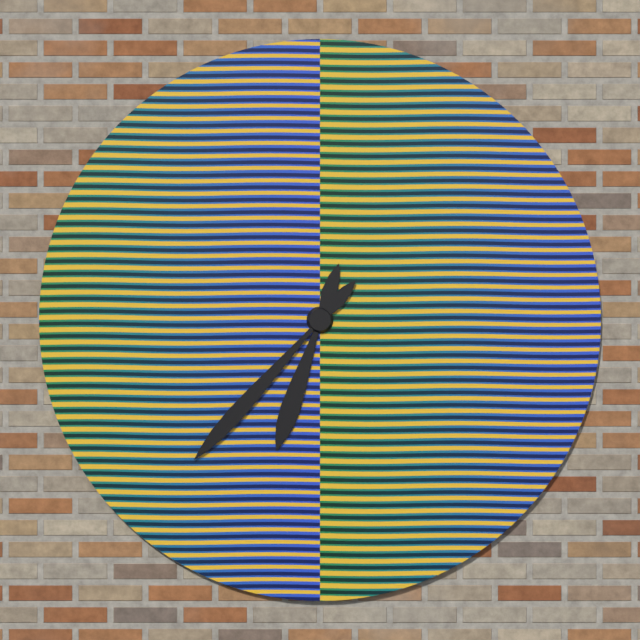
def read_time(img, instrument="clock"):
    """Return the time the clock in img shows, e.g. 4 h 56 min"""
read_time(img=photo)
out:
6 h 37 min
